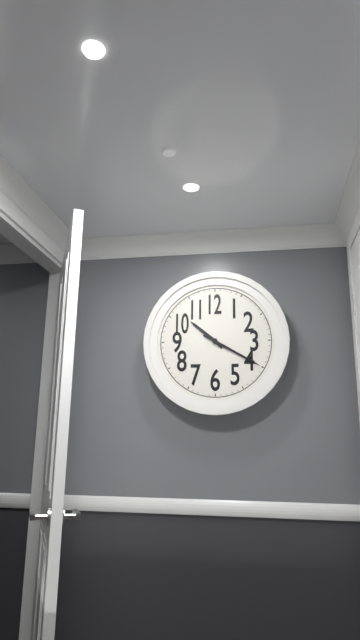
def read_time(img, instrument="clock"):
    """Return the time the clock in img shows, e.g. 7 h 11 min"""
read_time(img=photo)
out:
10 h 20 min
